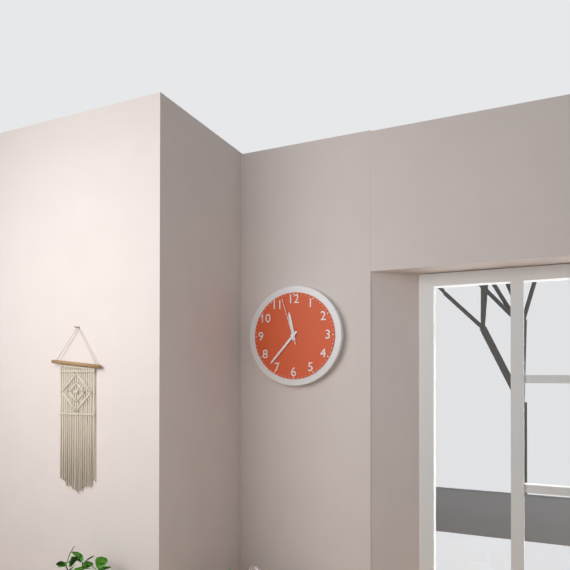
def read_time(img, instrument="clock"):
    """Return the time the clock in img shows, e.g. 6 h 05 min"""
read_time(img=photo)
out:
11 h 37 min
